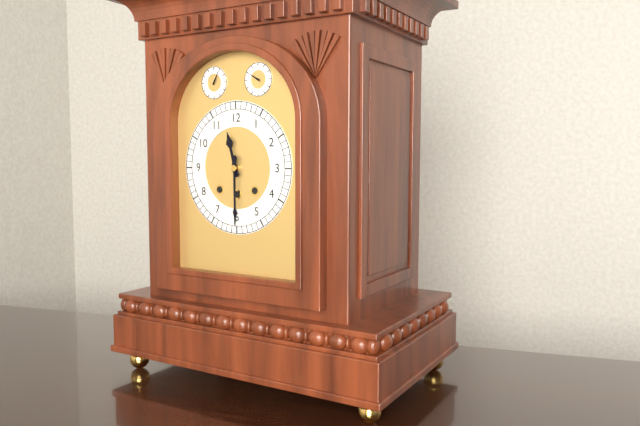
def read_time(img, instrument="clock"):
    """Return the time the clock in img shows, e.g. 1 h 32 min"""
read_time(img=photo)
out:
11 h 30 min
